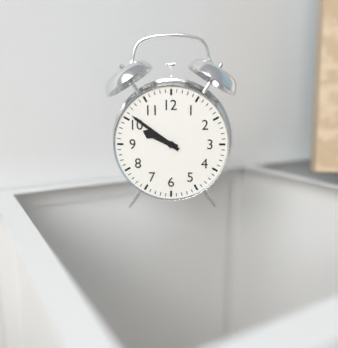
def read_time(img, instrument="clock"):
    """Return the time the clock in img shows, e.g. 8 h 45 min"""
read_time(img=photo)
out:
9 h 51 min
